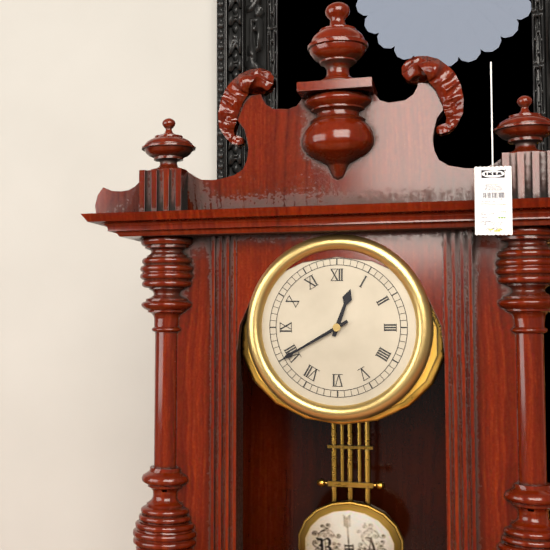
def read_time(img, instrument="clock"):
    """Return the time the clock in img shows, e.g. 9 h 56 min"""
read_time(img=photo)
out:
12 h 40 min
